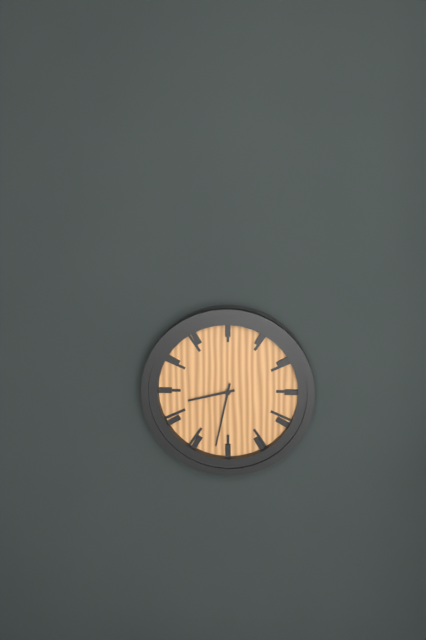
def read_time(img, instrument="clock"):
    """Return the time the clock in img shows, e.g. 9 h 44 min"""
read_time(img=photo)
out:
8 h 32 min
